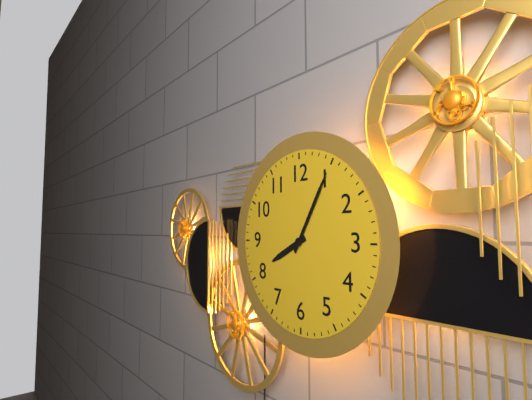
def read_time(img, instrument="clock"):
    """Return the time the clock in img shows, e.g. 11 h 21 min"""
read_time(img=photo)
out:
8 h 05 min
